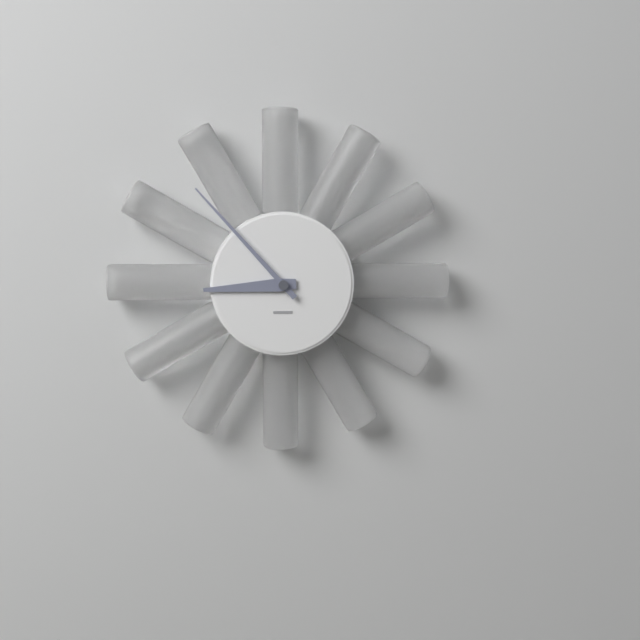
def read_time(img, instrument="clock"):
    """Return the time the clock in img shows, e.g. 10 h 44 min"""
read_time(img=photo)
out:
8 h 53 min
